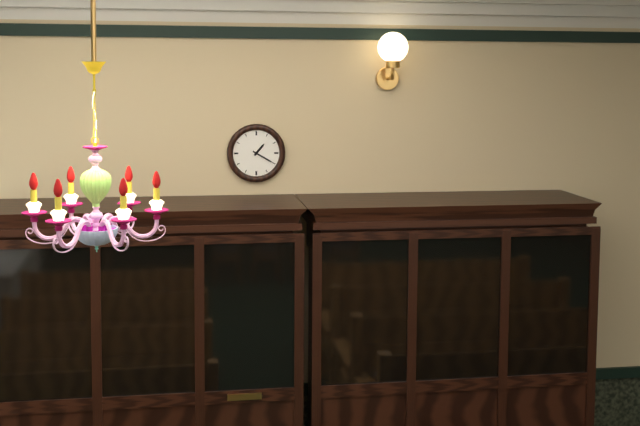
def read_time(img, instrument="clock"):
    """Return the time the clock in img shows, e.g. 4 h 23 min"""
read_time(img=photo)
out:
1 h 20 min
